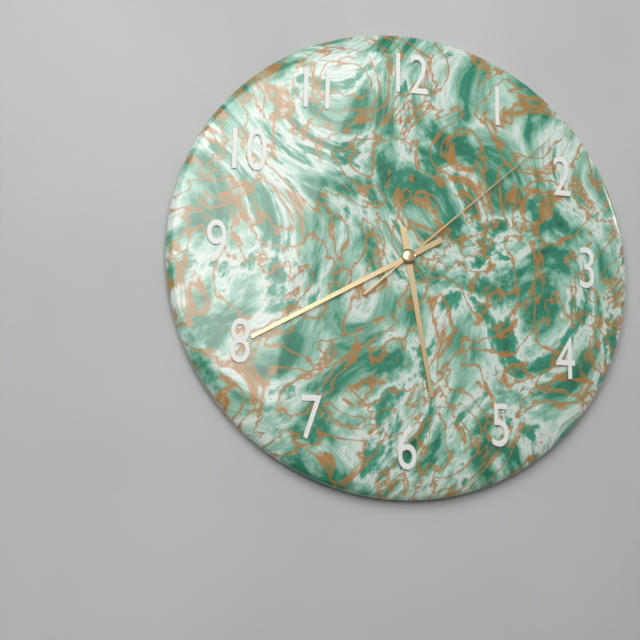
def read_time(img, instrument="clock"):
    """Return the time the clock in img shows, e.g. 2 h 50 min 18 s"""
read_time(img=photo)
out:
5 h 40 min 08 s
